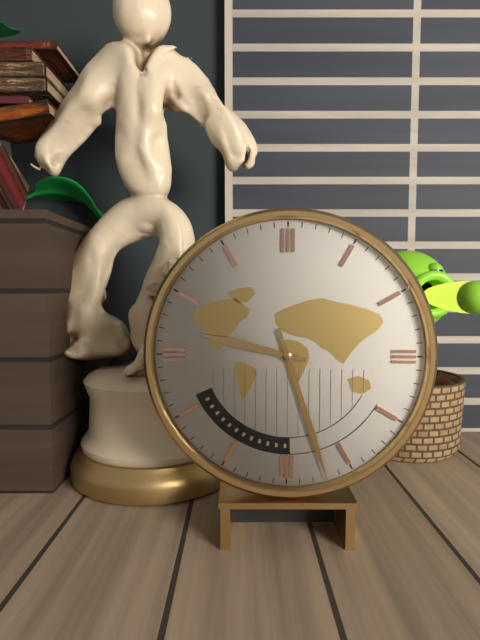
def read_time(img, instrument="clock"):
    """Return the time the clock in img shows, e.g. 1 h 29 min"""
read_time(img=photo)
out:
9 h 27 min
